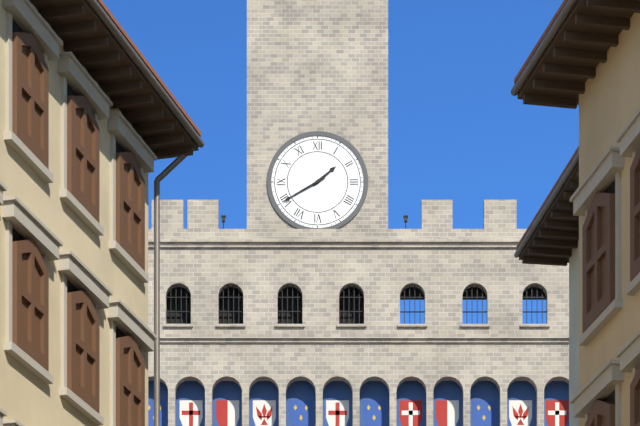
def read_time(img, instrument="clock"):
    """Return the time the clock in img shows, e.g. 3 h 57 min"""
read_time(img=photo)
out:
1 h 40 min
